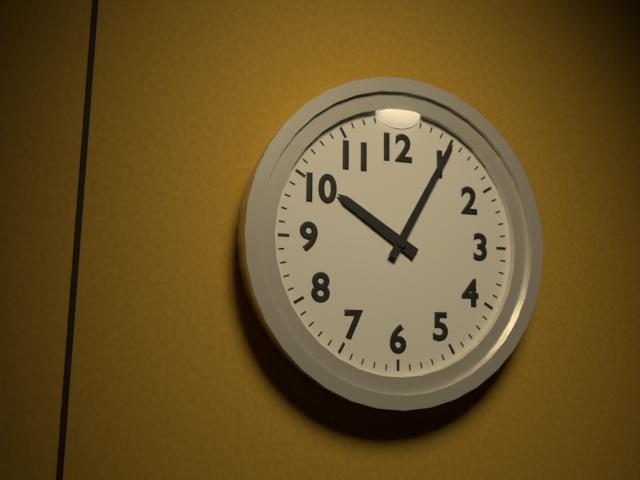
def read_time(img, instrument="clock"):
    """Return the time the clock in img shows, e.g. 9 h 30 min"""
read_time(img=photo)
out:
10 h 05 min
